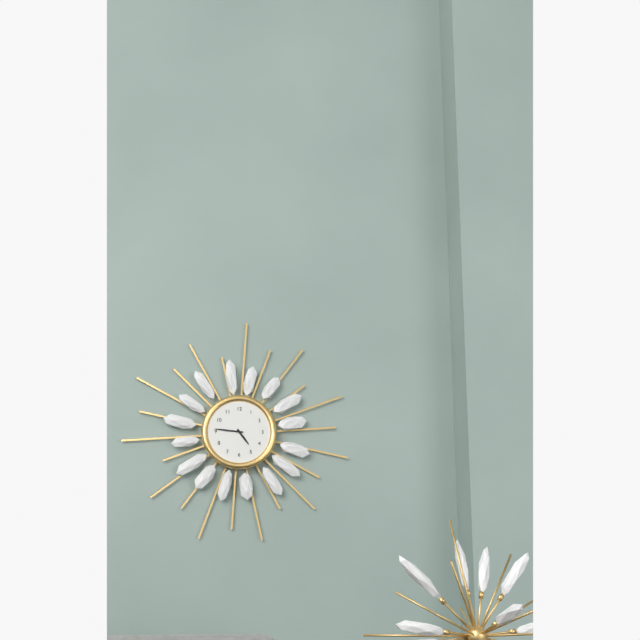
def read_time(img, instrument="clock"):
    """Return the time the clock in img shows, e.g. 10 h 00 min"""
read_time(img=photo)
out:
4 h 46 min
